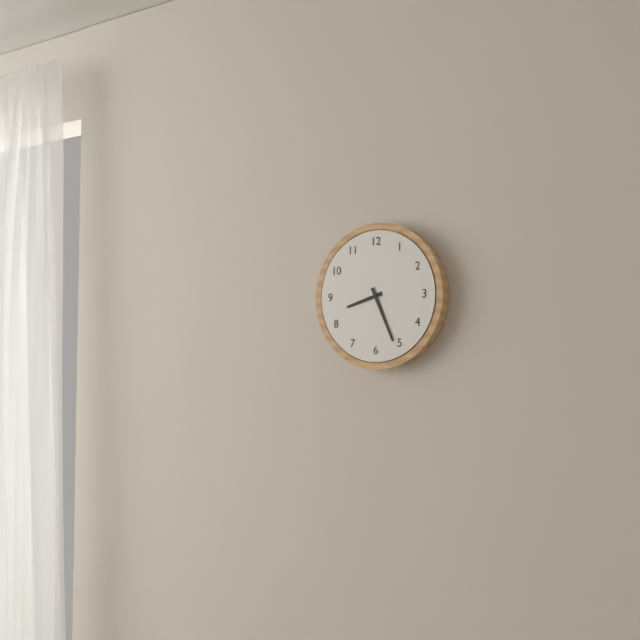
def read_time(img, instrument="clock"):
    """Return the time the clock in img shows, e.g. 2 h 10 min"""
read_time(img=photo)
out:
8 h 26 min
